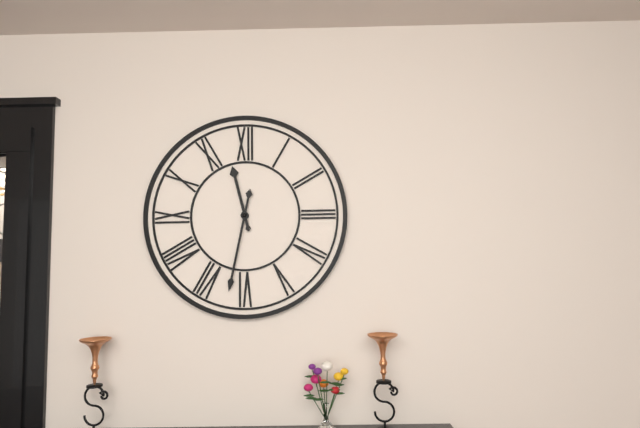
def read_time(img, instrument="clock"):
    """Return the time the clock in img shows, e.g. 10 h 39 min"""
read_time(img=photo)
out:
11 h 32 min
